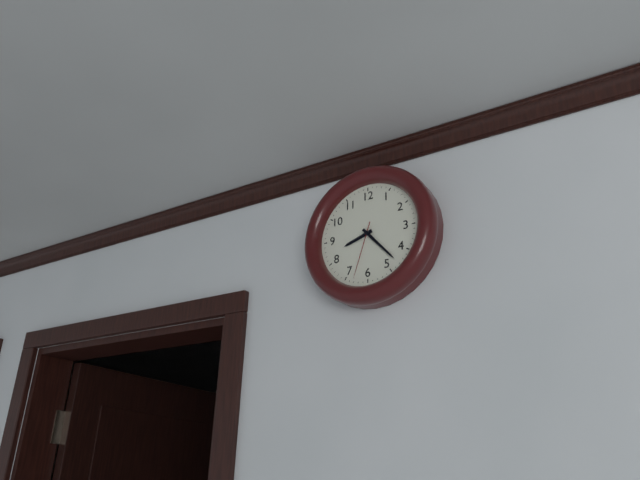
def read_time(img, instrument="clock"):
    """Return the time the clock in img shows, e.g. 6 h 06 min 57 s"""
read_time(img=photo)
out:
8 h 23 min 33 s
